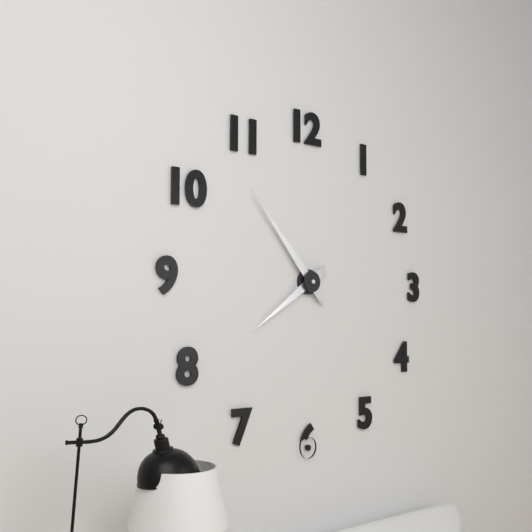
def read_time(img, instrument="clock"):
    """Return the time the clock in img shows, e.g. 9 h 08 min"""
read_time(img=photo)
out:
7 h 53 min
